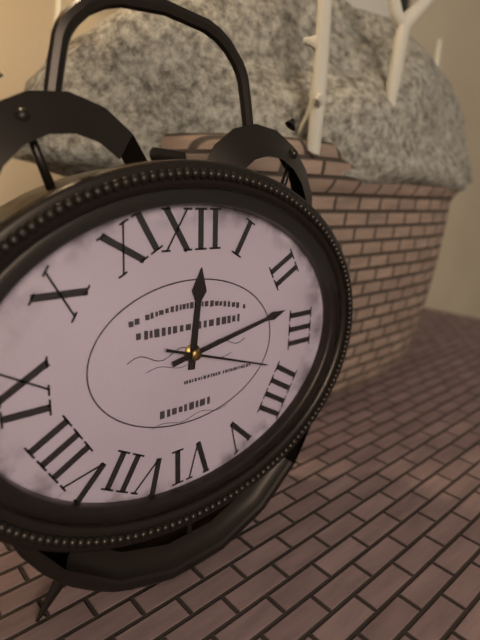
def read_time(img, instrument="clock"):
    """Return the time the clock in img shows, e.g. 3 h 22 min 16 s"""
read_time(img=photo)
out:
12 h 13 min 18 s
